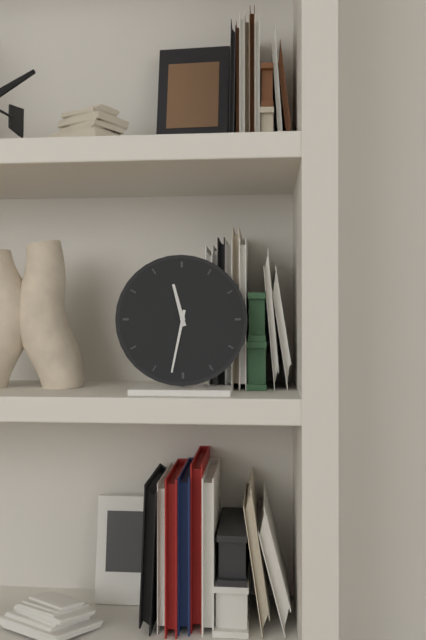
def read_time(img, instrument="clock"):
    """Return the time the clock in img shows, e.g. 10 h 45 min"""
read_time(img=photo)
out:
11 h 32 min
